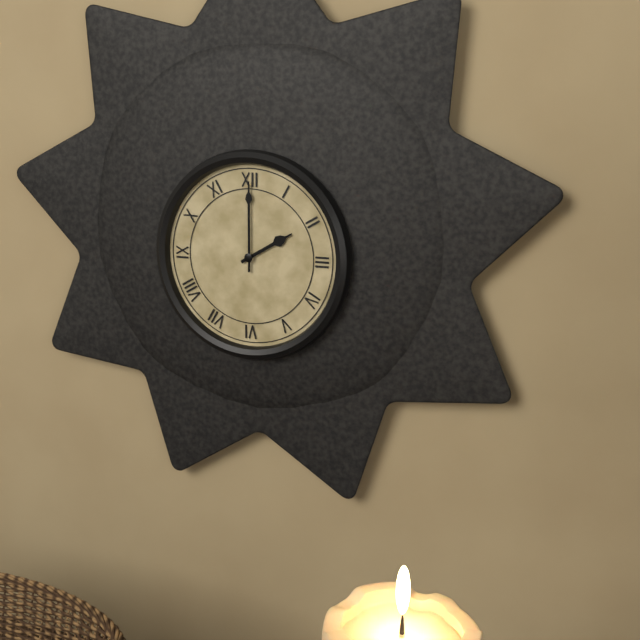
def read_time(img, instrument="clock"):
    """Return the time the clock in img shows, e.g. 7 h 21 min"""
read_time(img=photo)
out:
2 h 00 min
